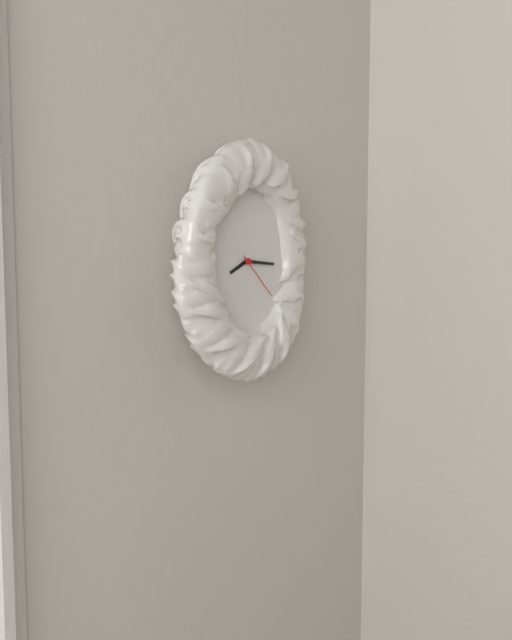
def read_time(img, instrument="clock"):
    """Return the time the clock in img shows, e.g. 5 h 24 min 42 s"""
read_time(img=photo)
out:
8 h 16 min 22 s
